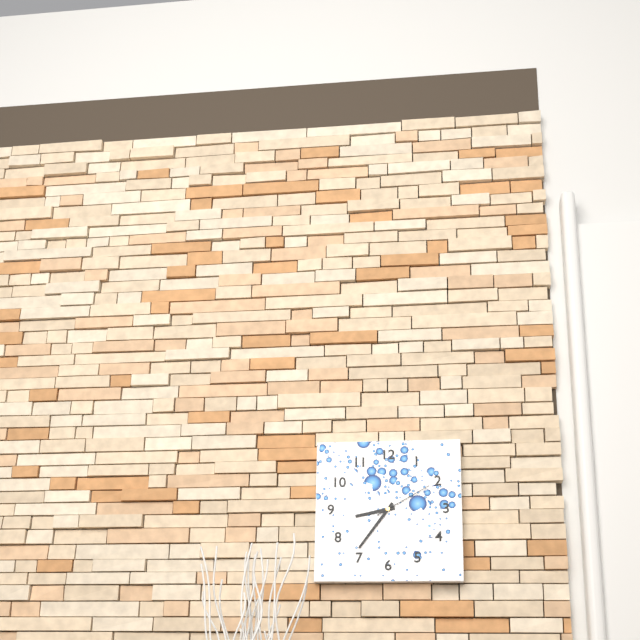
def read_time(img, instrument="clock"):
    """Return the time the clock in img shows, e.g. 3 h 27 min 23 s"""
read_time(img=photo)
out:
8 h 36 min 10 s
